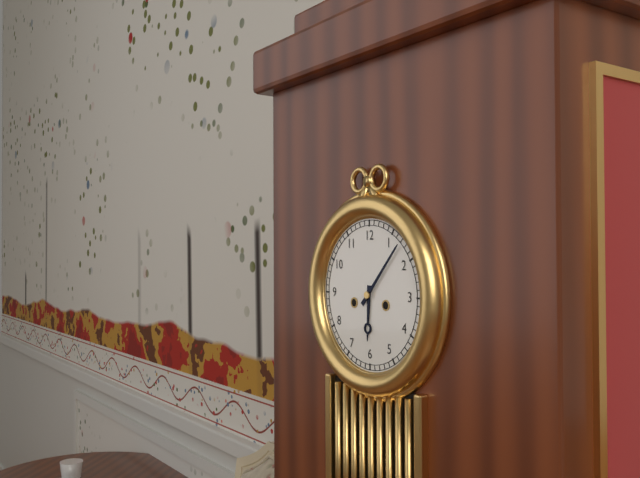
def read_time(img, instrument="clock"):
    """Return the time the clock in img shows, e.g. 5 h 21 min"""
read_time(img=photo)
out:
6 h 07 min
